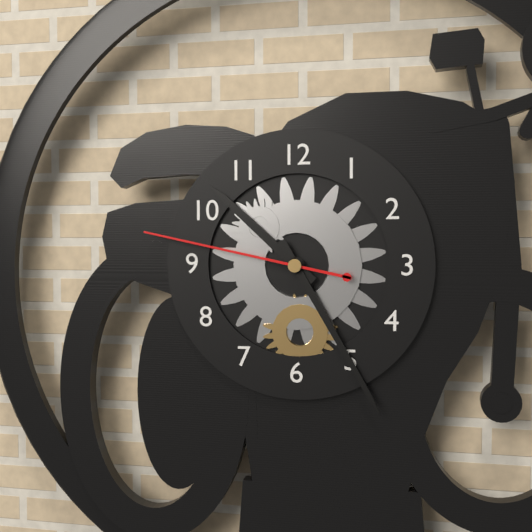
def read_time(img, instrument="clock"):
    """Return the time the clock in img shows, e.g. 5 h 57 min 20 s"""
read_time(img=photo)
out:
10 h 25 min 47 s
